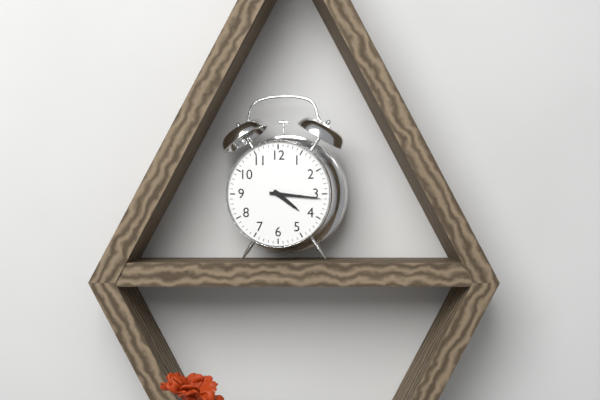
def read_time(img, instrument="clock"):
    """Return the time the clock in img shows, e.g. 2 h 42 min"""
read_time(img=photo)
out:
4 h 16 min
